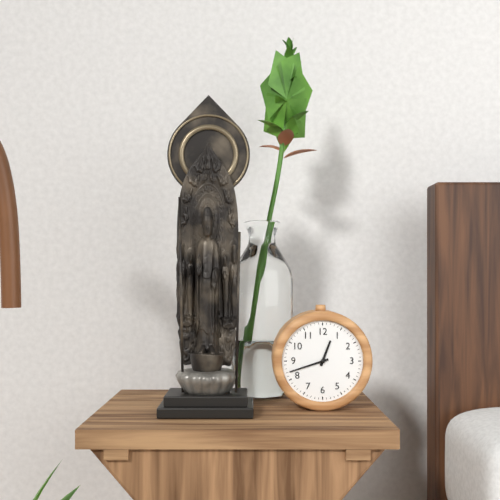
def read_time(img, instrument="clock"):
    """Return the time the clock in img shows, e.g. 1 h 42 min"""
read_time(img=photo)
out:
12 h 42 min
